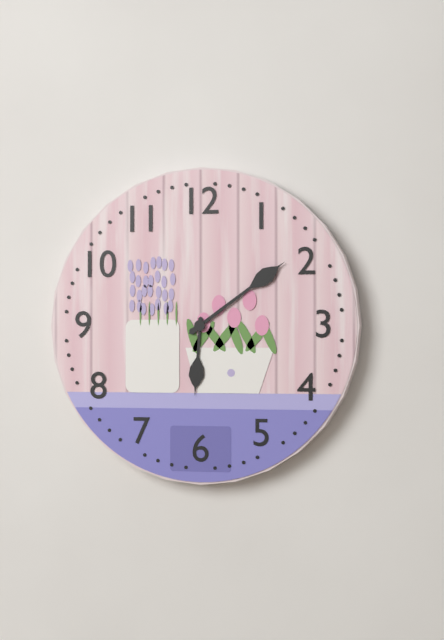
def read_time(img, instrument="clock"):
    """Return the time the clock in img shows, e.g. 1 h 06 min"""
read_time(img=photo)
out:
6 h 09 min
